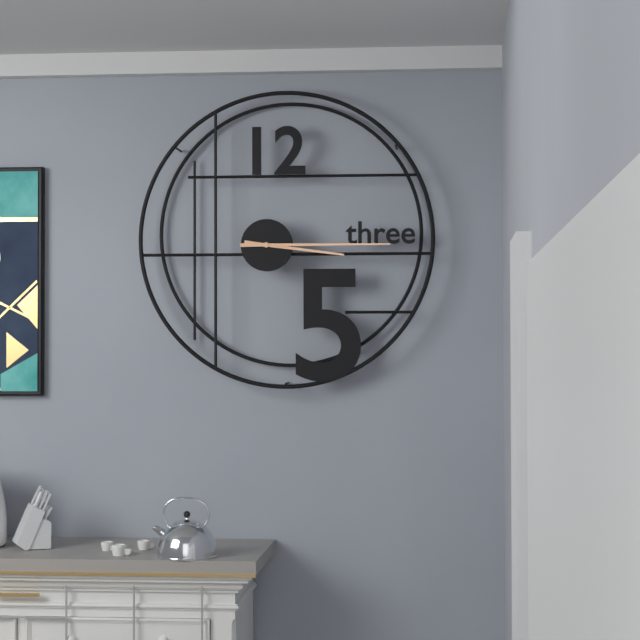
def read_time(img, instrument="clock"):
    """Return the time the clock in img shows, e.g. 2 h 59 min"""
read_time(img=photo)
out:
3 h 15 min
